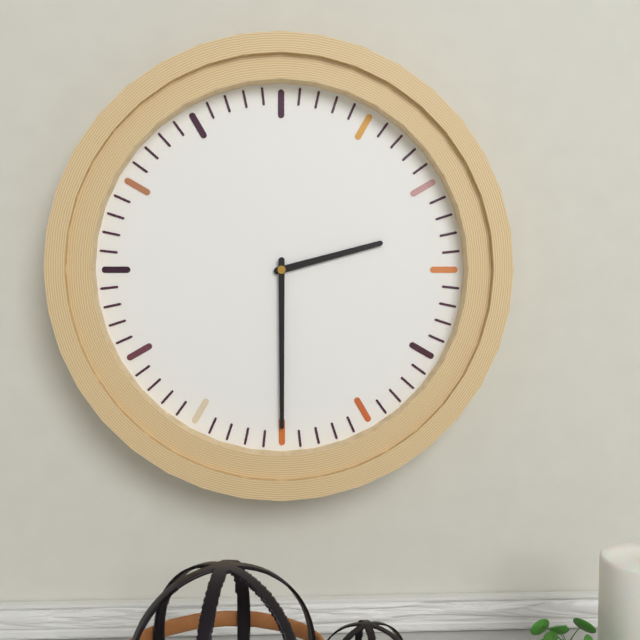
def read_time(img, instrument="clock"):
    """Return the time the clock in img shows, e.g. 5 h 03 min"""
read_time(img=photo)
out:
2 h 30 min
